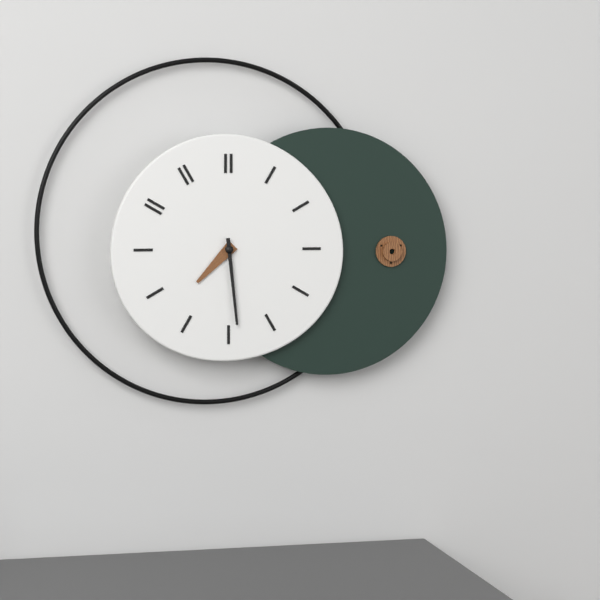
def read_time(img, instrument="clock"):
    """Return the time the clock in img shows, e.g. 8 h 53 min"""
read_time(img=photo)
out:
7 h 29 min
